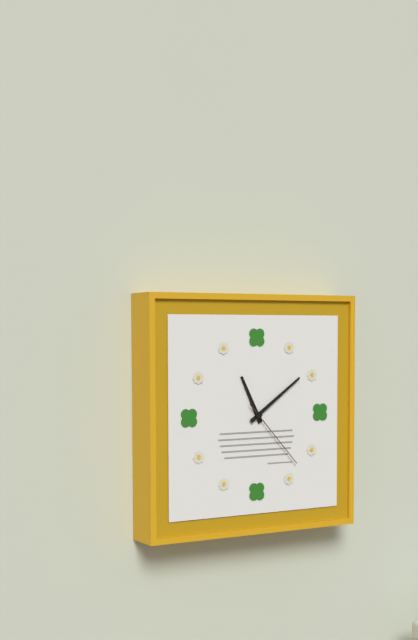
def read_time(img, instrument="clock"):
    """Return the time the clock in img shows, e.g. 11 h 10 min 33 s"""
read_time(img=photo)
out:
11 h 09 min 23 s
